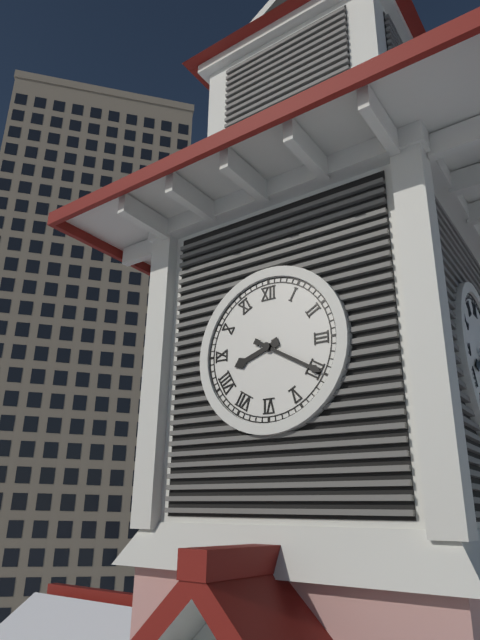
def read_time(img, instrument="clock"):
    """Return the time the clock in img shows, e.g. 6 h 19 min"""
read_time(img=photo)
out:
8 h 20 min
